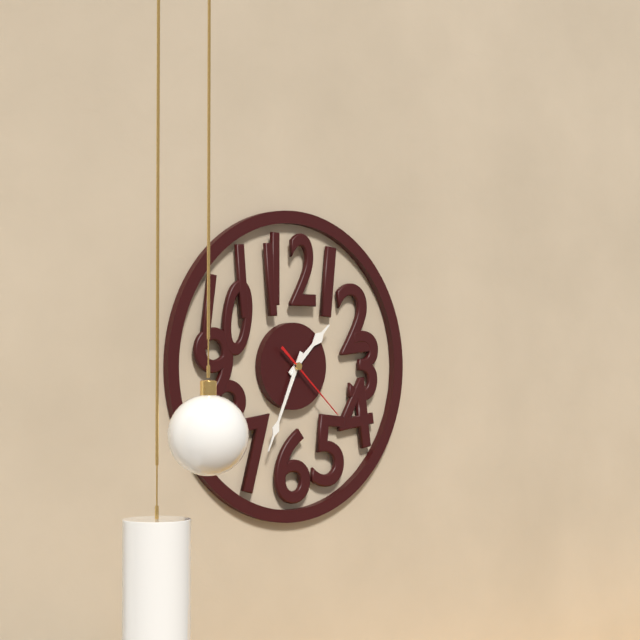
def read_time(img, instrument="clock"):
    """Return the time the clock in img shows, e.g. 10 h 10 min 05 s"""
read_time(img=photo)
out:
1 h 34 min 22 s
